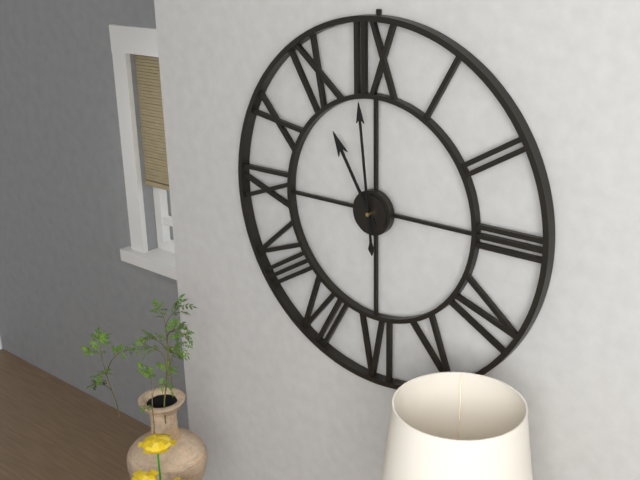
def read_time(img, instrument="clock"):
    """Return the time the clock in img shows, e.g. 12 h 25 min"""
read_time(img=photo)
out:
10 h 59 min
